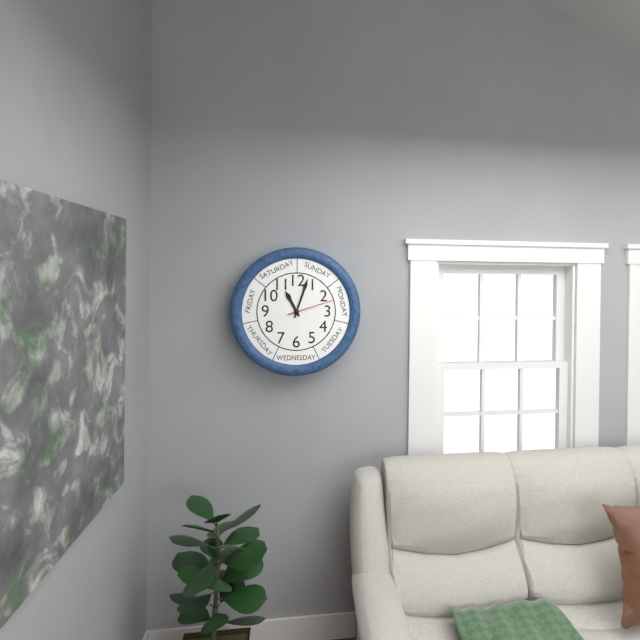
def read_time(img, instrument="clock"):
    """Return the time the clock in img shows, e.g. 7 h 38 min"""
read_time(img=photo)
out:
11 h 03 min
